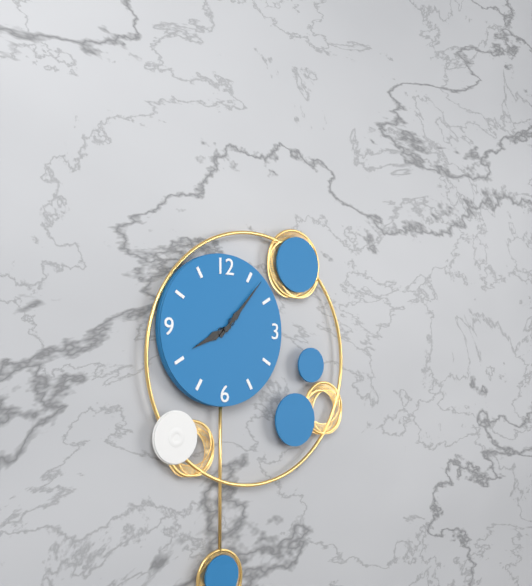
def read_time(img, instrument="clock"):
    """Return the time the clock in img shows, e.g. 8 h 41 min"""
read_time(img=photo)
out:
8 h 07 min
